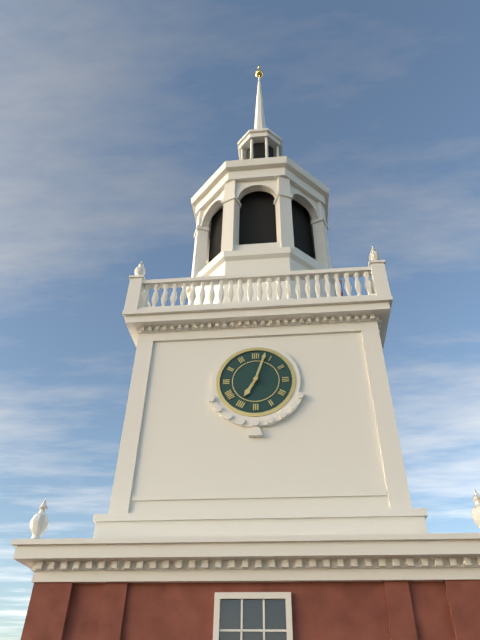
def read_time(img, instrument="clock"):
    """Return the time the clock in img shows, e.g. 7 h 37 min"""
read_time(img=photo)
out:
7 h 03 min
